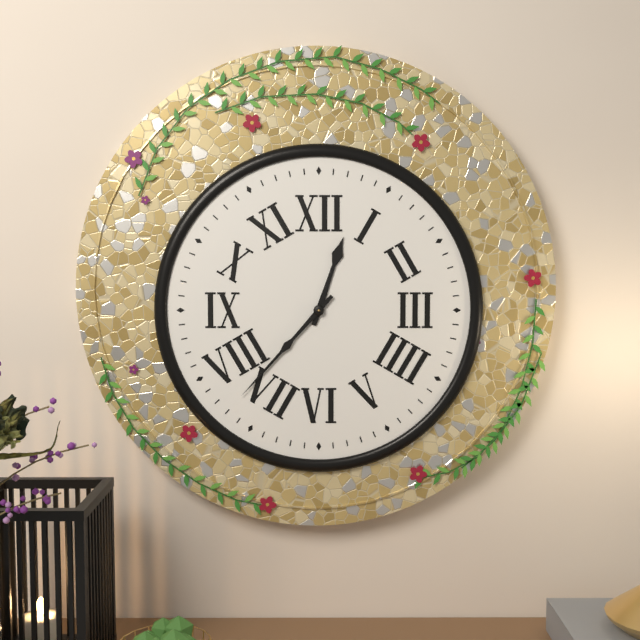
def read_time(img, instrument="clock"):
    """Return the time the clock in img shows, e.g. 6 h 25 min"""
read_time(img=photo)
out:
12 h 37 min
